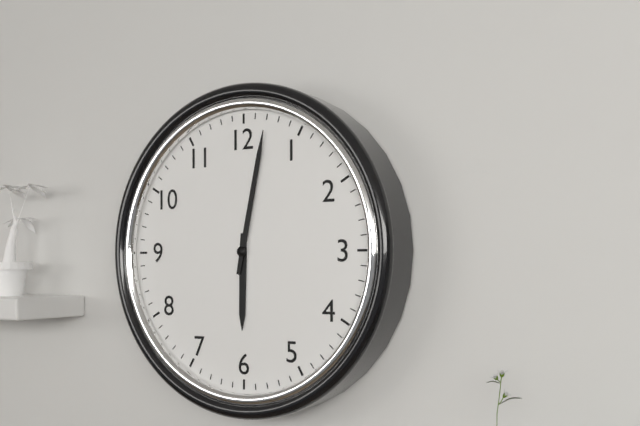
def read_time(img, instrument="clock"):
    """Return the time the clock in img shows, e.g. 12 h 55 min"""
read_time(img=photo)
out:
6 h 02 min
